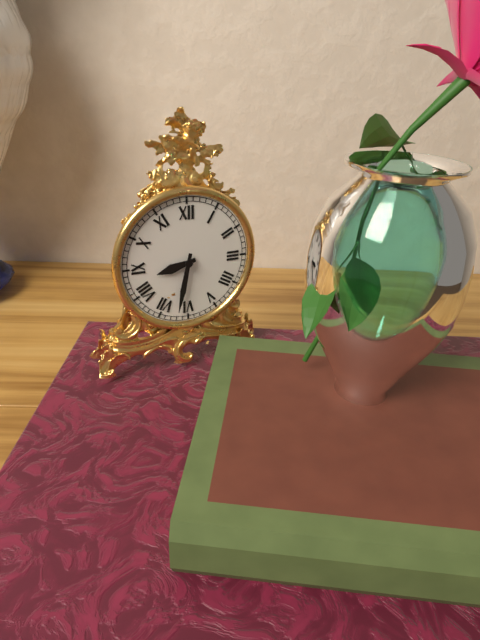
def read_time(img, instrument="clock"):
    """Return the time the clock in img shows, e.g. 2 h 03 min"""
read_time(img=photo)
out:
8 h 32 min
